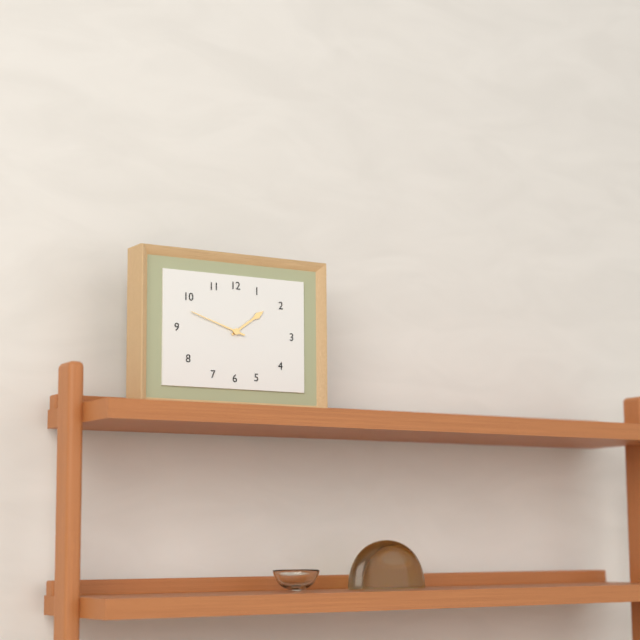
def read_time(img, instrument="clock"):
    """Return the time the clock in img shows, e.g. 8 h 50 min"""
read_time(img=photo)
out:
1 h 48 min
